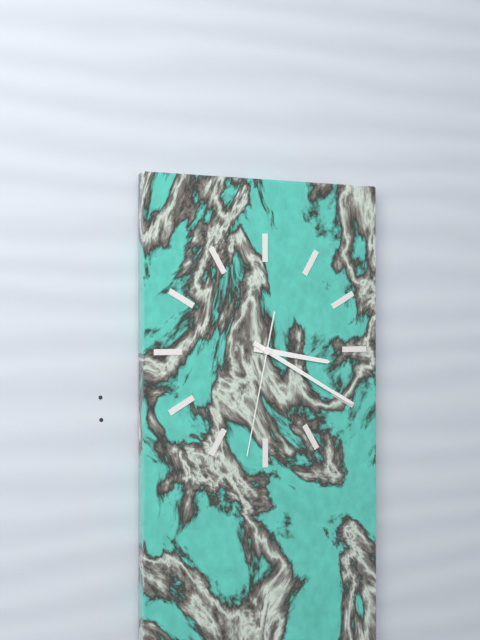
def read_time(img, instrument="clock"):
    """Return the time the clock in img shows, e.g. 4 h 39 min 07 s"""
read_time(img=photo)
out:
3 h 20 min 32 s
